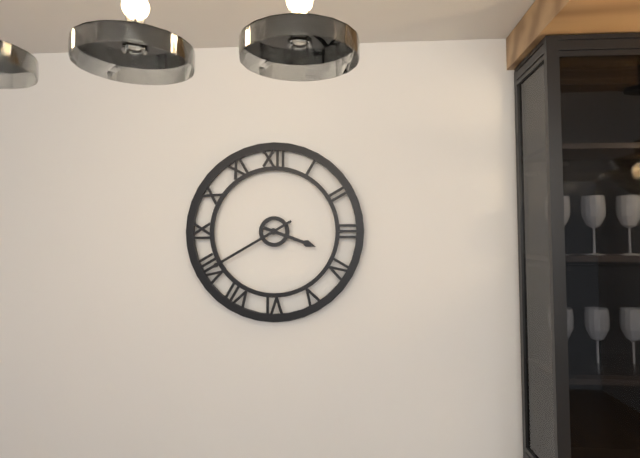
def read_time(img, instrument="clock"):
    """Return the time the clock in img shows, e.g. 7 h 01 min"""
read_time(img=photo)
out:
3 h 40 min
